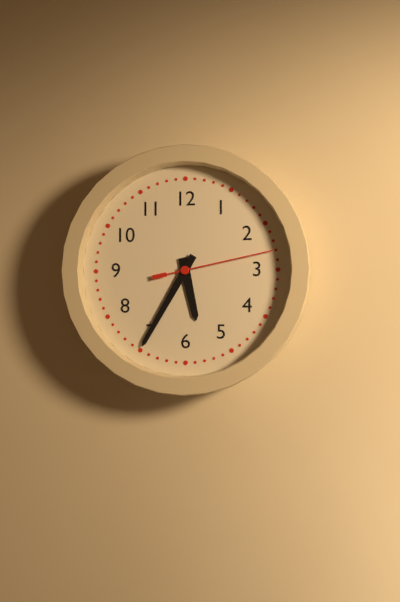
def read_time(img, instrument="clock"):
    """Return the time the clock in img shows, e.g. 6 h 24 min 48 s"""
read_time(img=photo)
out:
5 h 35 min 13 s
